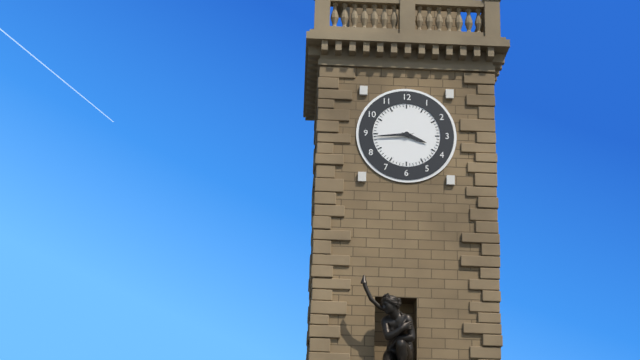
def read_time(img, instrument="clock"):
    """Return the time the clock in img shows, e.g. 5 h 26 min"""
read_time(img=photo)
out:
3 h 44 min
